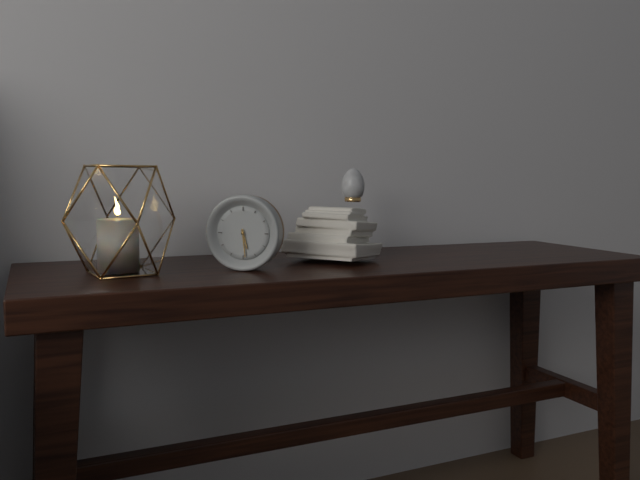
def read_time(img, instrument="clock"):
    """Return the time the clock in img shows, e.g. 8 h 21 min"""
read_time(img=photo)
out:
5 h 29 min
